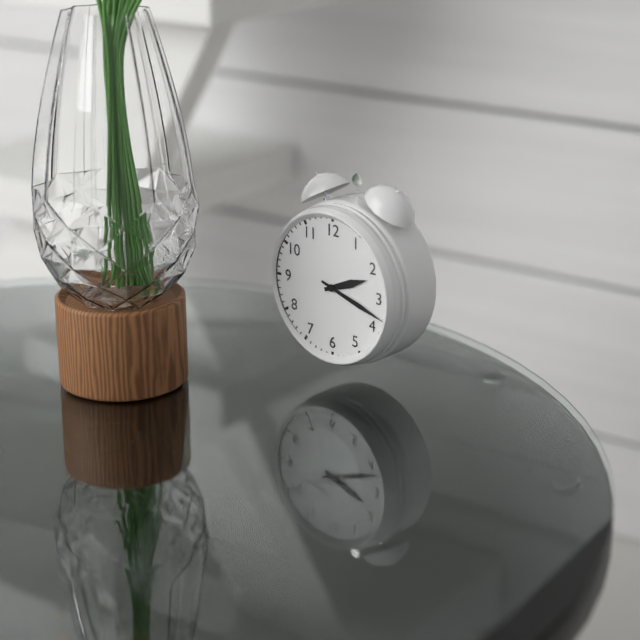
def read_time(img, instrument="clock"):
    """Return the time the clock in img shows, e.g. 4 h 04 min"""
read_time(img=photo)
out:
2 h 18 min
